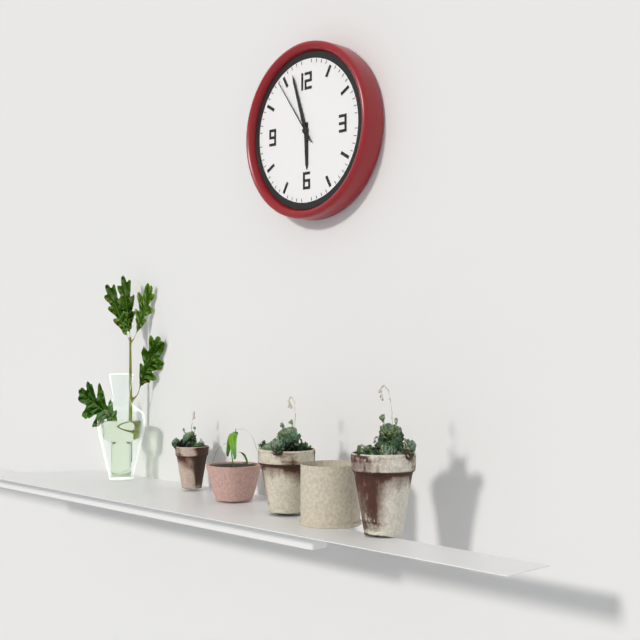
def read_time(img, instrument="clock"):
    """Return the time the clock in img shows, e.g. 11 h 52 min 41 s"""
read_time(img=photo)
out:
5 h 57 min 54 s
